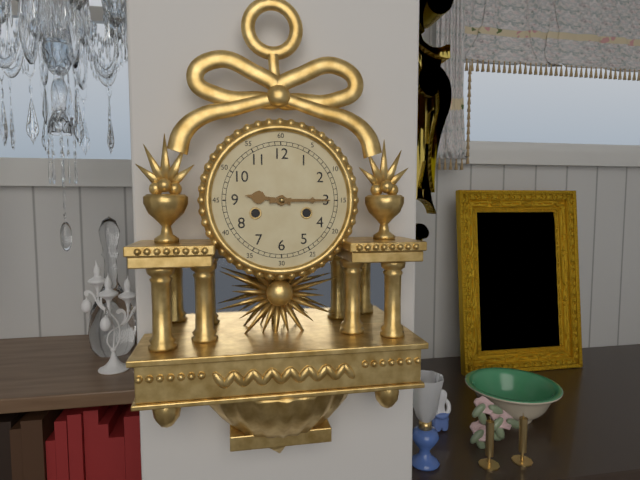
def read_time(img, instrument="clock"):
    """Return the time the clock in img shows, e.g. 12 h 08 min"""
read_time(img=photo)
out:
9 h 15 min
